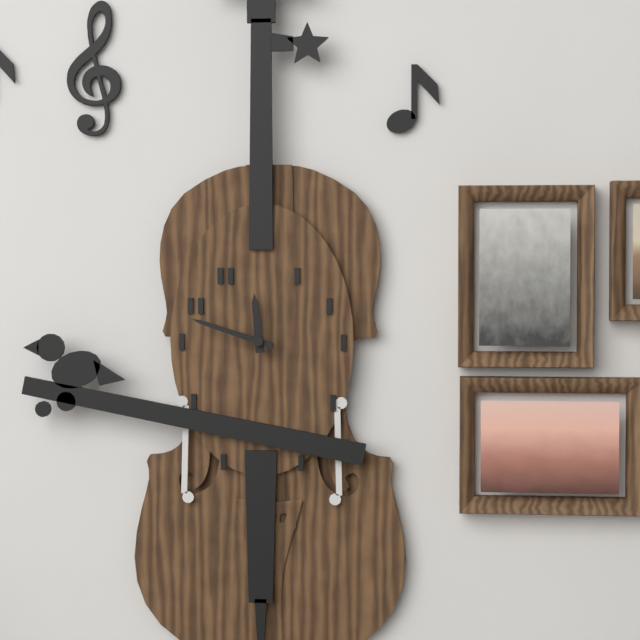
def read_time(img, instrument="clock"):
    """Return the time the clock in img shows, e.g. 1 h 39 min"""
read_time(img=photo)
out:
11 h 48 min
